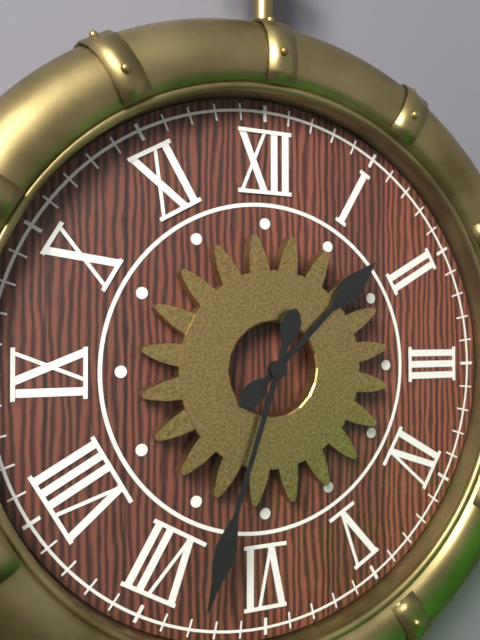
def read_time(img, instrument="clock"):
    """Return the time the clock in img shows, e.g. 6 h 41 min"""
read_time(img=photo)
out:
1 h 33 min
